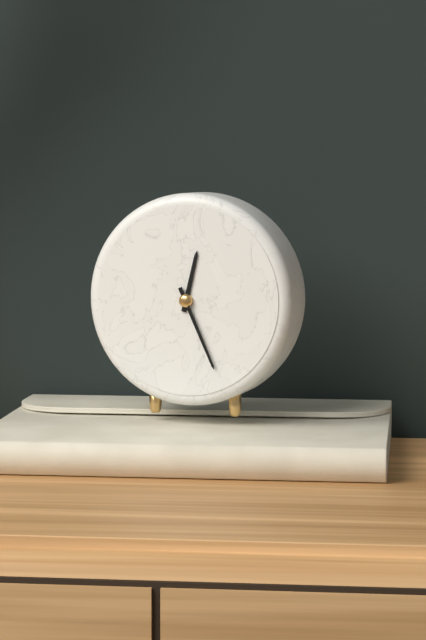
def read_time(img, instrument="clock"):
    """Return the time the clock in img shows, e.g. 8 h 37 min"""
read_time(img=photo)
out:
12 h 26 min
